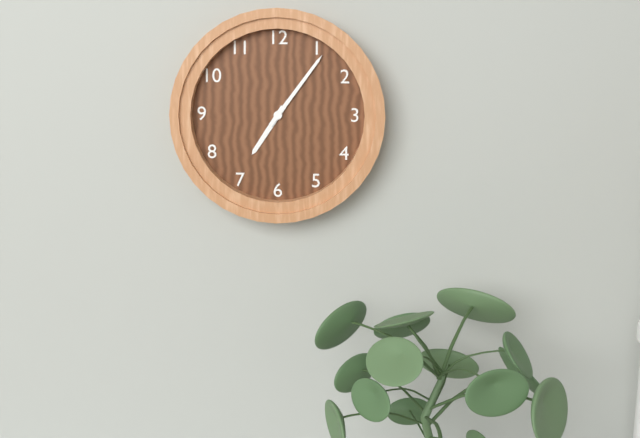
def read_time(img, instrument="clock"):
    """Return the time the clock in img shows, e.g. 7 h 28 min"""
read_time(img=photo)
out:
7 h 06 min
